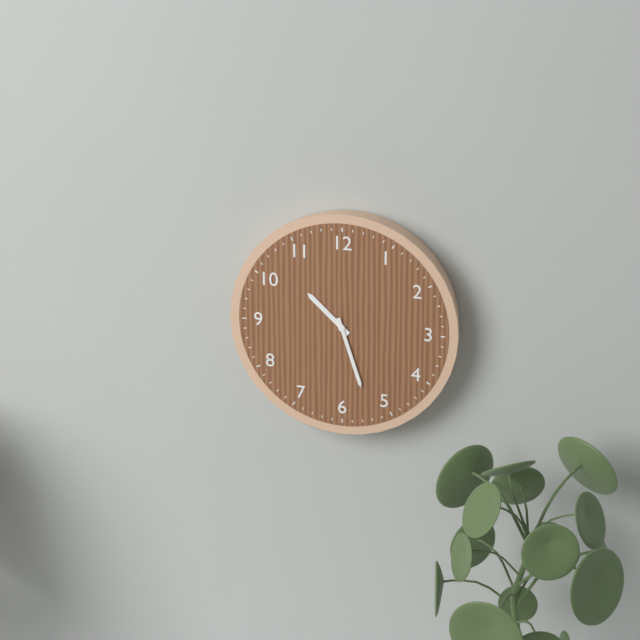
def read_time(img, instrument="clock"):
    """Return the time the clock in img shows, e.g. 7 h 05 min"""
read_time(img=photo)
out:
10 h 27 min
